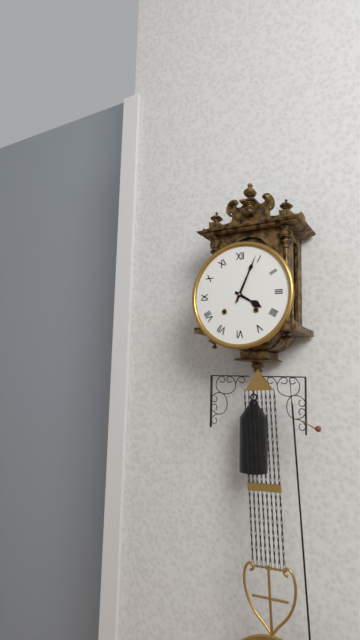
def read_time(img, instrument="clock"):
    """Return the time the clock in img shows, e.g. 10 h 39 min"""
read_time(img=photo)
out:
4 h 04 min
